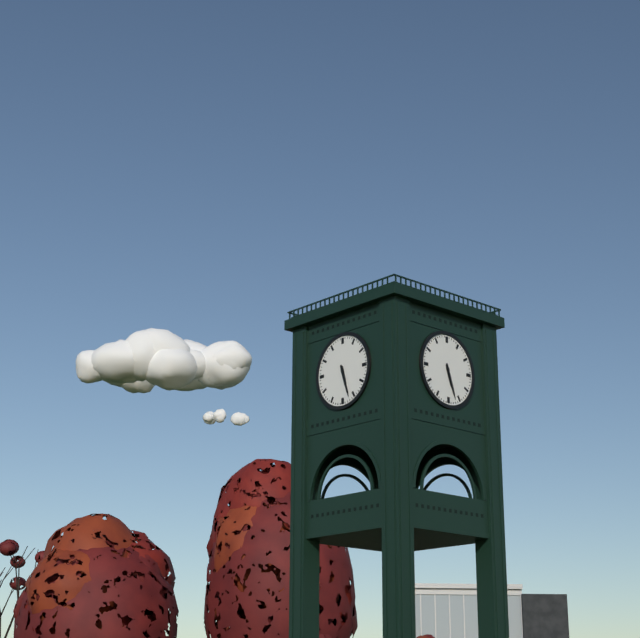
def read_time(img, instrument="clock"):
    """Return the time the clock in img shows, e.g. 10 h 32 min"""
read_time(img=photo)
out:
5 h 27 min
